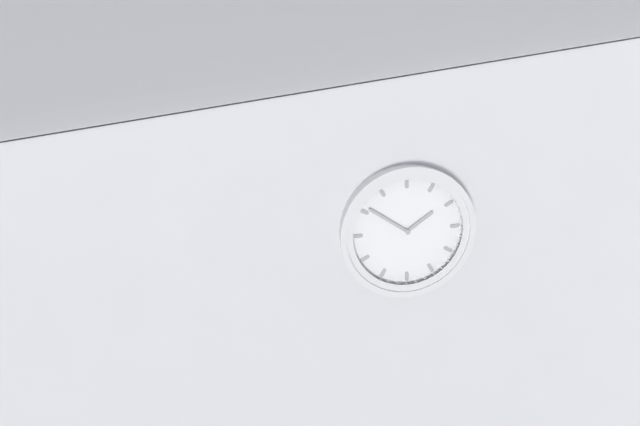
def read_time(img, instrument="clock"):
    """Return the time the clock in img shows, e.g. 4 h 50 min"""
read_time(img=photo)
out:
1 h 51 min
